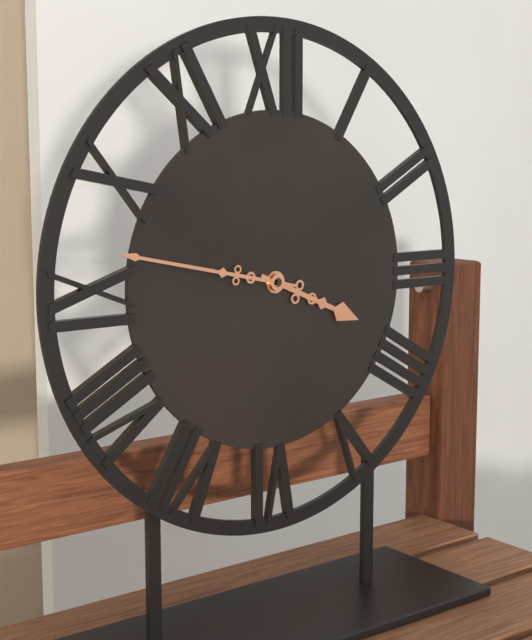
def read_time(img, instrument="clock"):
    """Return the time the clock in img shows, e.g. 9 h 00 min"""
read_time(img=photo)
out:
3 h 47 min
